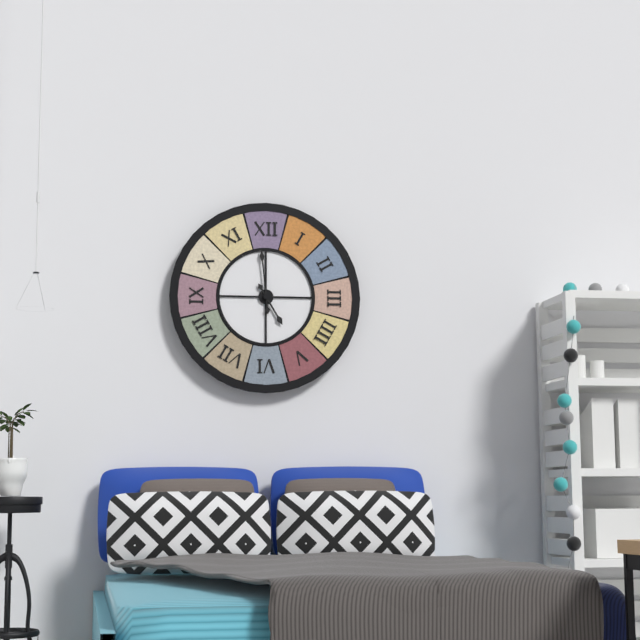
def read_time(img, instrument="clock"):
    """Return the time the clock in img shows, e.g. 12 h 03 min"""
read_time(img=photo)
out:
4 h 59 min
